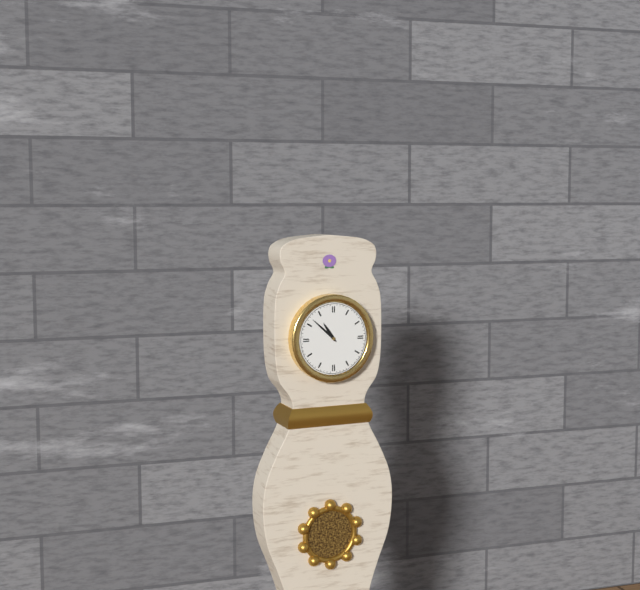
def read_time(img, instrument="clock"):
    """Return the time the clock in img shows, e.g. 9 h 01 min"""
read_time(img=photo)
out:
10 h 52 min
